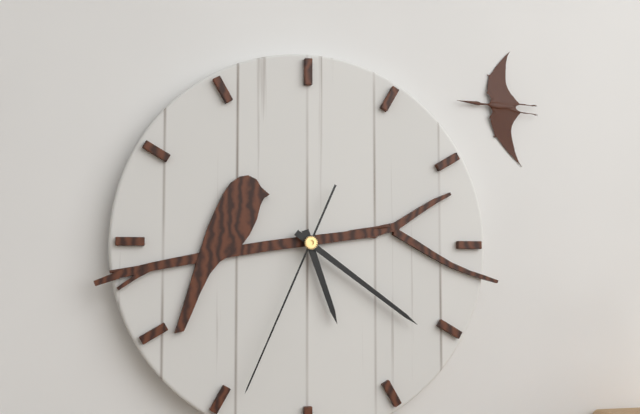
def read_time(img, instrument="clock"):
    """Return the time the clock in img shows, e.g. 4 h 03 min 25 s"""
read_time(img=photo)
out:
5 h 21 min 34 s
